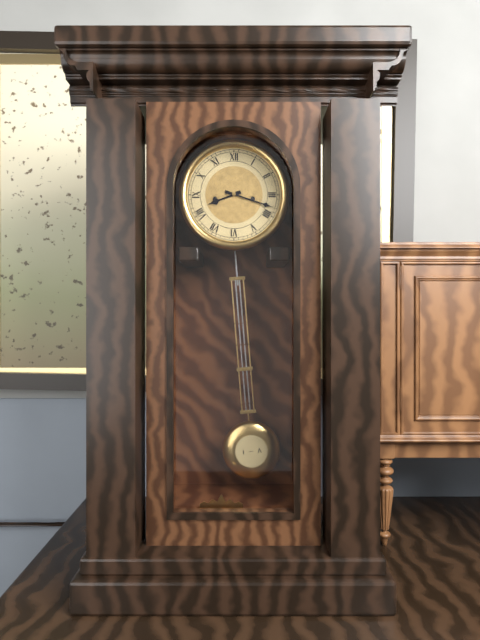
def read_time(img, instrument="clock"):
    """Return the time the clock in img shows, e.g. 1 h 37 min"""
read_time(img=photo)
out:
8 h 18 min
